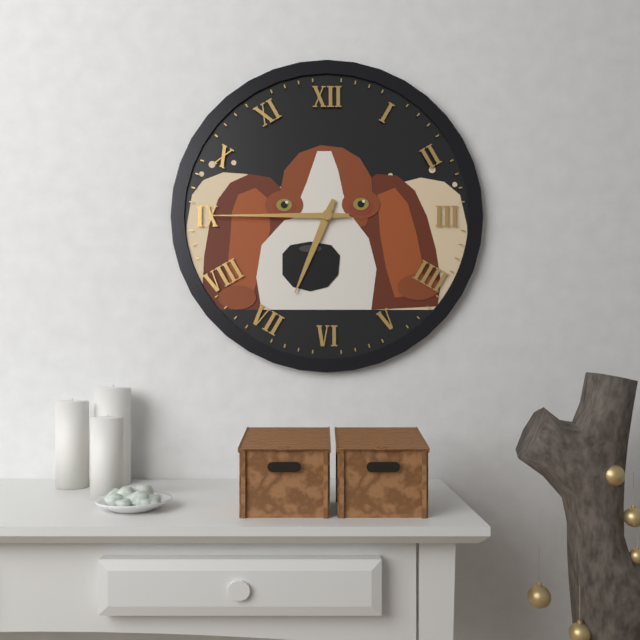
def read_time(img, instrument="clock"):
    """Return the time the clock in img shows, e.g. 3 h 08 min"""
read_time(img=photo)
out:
6 h 45 min
